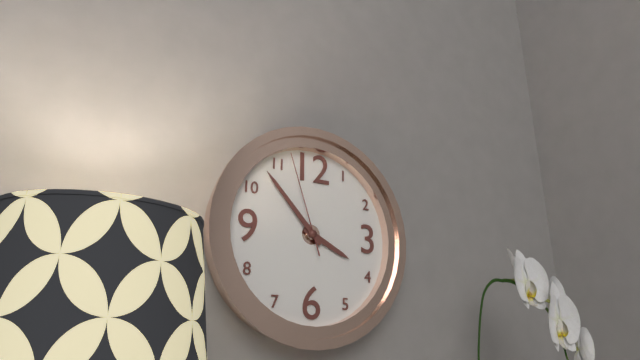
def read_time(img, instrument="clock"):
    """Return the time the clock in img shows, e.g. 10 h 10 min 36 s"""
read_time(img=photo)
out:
3 h 53 min 57 s
